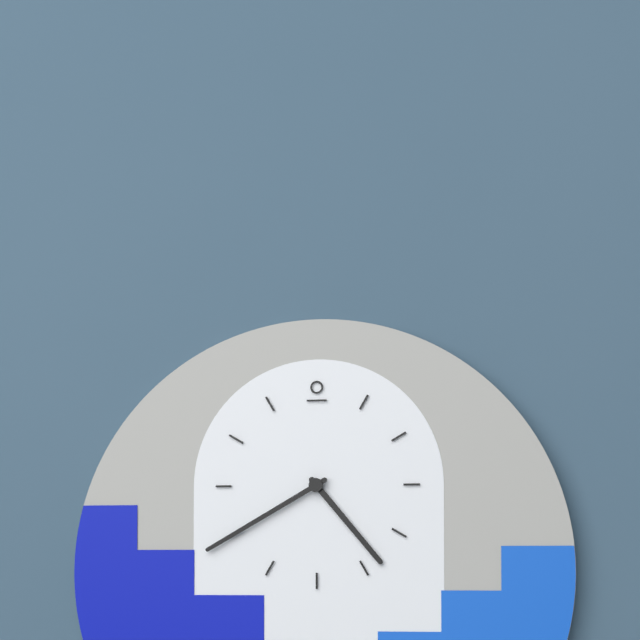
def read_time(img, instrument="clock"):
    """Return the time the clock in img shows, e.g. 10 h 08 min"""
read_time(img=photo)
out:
4 h 40 min
